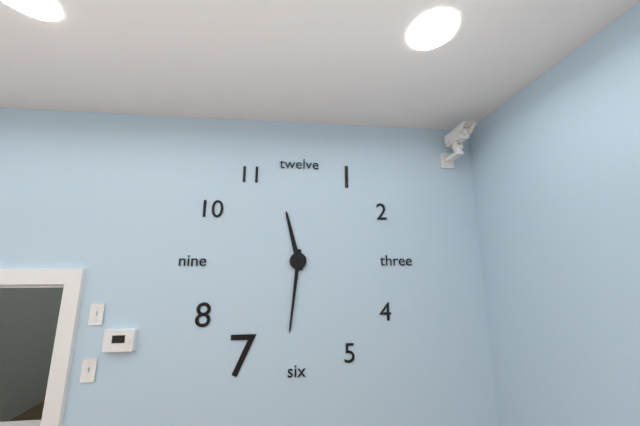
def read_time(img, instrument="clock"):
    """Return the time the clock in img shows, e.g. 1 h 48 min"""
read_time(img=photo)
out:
11 h 31 min
